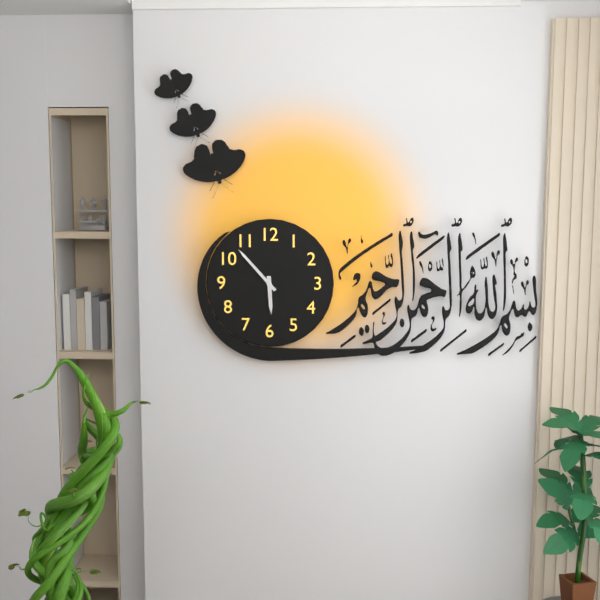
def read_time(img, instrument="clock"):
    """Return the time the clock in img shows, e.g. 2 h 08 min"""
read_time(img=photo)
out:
5 h 53 min
